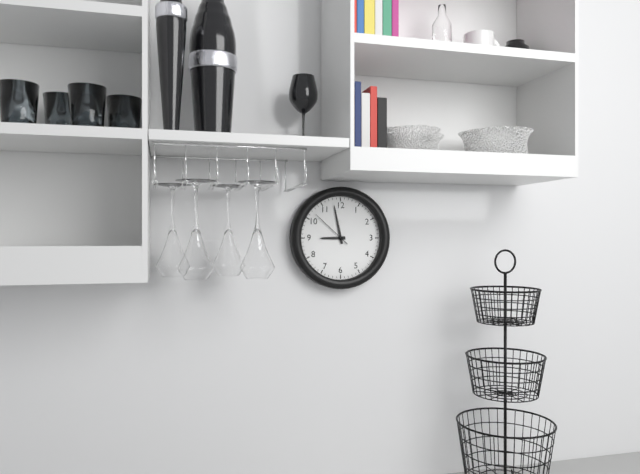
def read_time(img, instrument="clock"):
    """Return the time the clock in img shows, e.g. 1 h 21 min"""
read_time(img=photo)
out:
8 h 58 min
